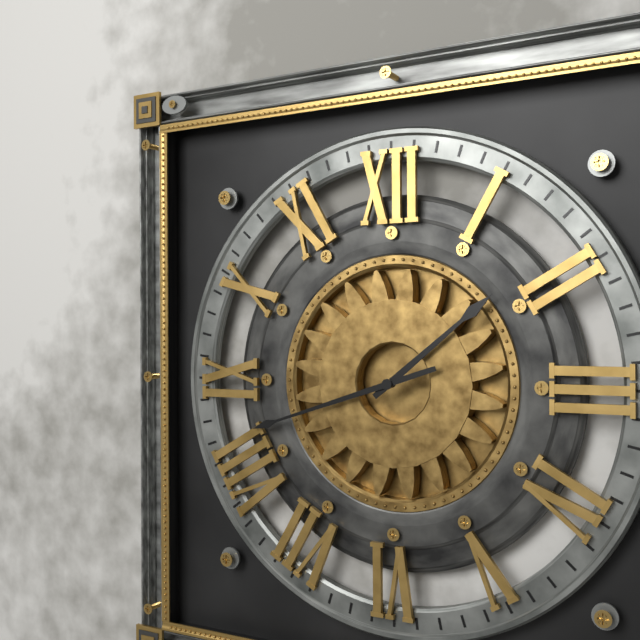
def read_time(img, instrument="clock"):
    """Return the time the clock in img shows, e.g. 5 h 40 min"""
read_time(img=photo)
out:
1 h 42 min
